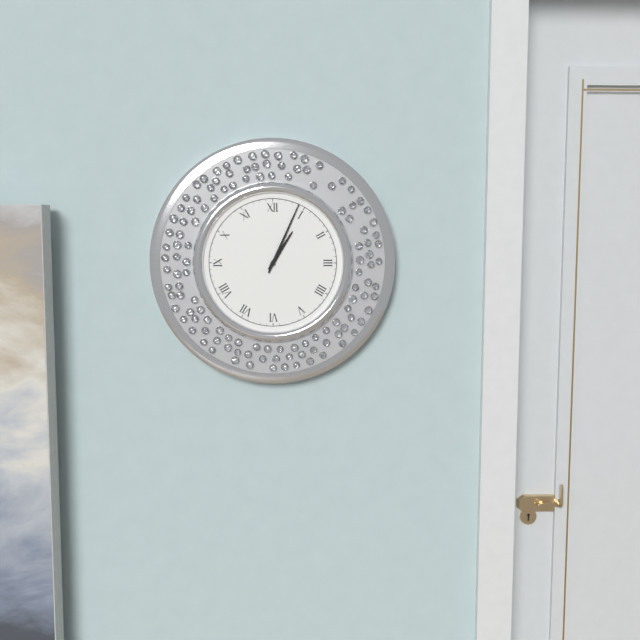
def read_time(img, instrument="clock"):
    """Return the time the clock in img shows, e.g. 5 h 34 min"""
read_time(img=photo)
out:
1 h 04 min
